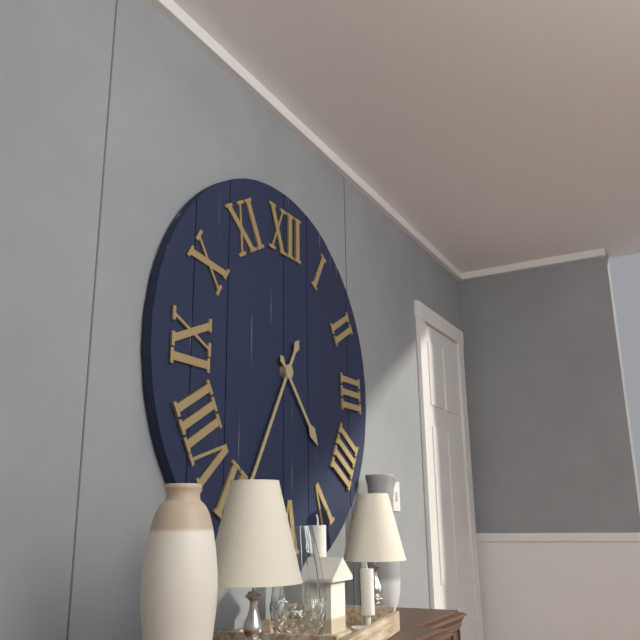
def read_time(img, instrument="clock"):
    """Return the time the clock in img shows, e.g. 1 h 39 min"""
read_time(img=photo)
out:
4 h 35 min
